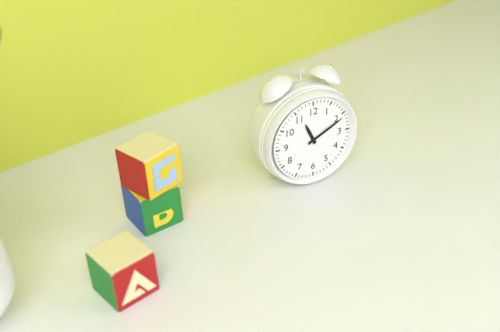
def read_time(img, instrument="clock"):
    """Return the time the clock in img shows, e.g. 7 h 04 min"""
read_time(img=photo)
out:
11 h 11 min
